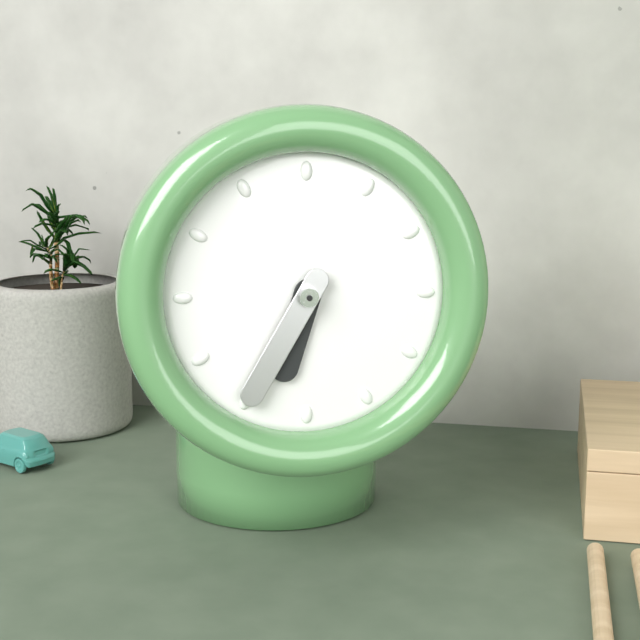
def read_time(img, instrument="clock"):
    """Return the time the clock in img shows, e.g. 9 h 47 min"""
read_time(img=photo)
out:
6 h 35 min
